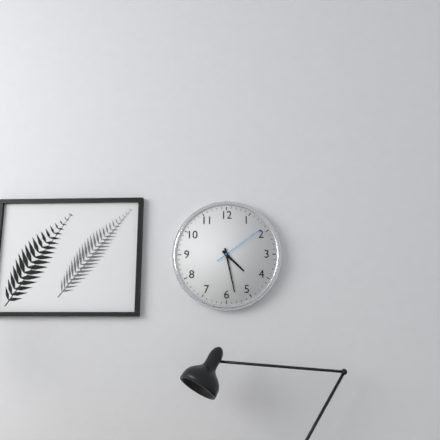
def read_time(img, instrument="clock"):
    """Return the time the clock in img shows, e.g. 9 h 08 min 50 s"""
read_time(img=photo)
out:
4 h 28 min 09 s
